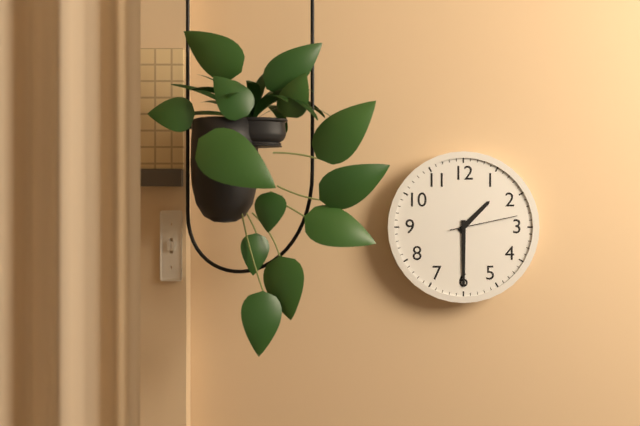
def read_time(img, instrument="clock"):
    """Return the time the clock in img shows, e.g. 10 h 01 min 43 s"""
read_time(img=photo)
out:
1 h 30 min 13 s
